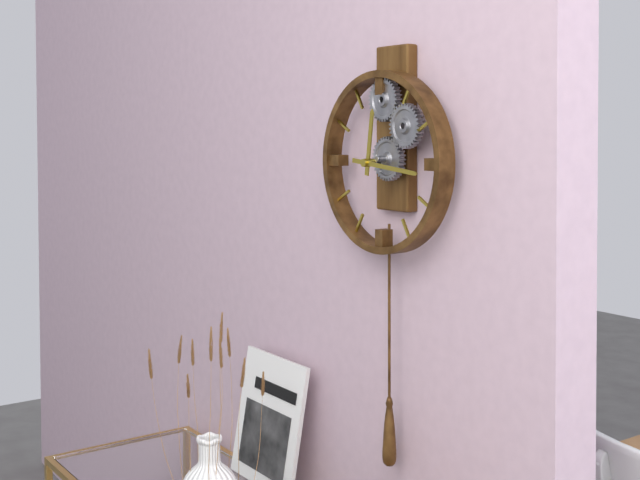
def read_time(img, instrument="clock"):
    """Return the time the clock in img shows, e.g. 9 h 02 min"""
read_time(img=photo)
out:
12 h 16 min
